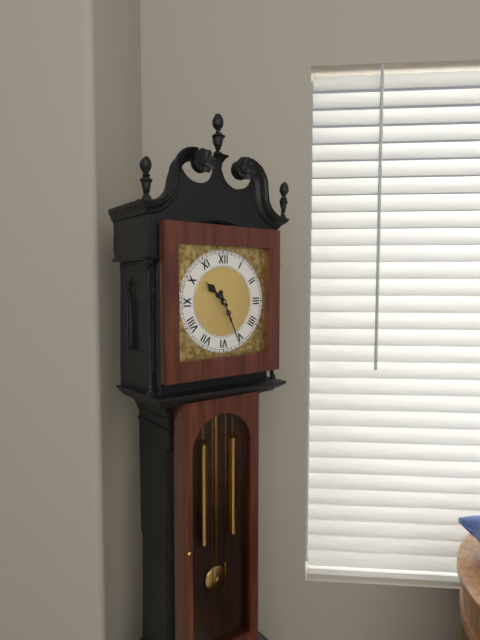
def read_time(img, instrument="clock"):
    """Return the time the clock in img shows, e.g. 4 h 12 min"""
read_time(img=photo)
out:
10 h 26 min
